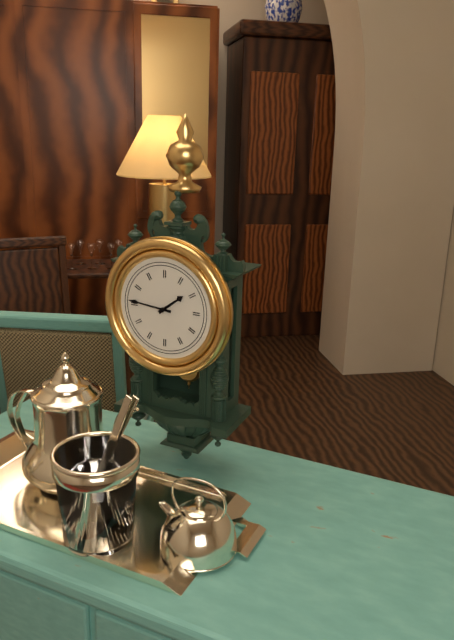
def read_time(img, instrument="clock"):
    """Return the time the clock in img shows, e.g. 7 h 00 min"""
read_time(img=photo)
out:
1 h 46 min
